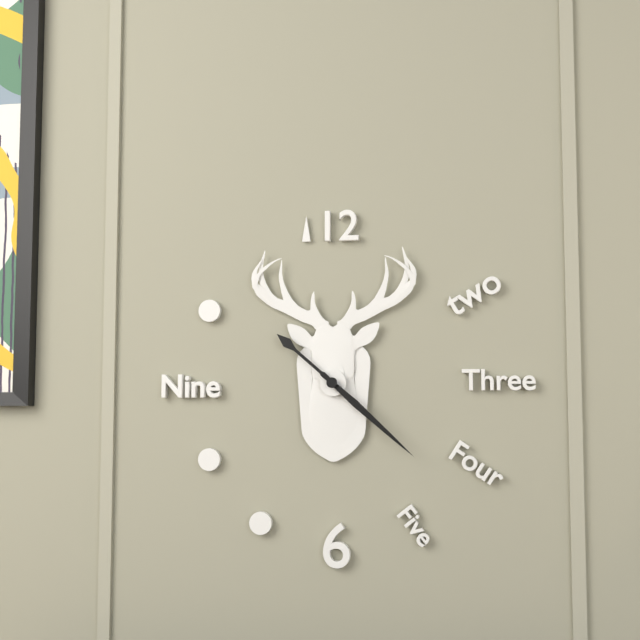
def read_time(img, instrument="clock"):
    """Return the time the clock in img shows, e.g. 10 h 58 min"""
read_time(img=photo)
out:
10 h 22 min
